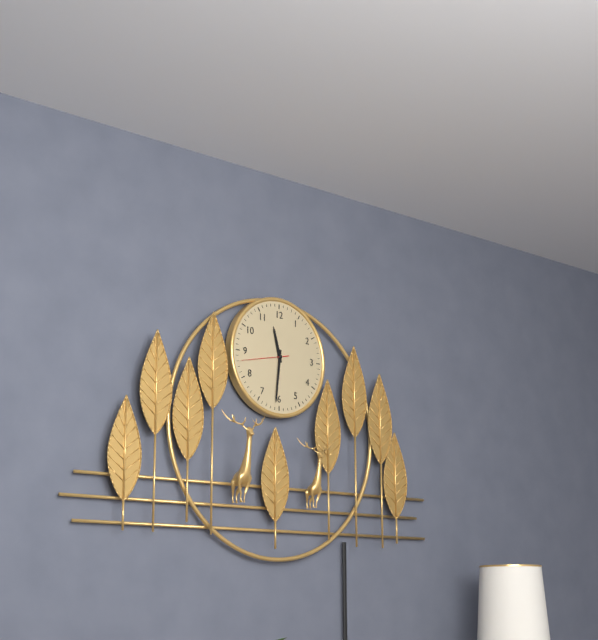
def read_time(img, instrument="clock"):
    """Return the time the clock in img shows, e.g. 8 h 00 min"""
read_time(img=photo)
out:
11 h 31 min
